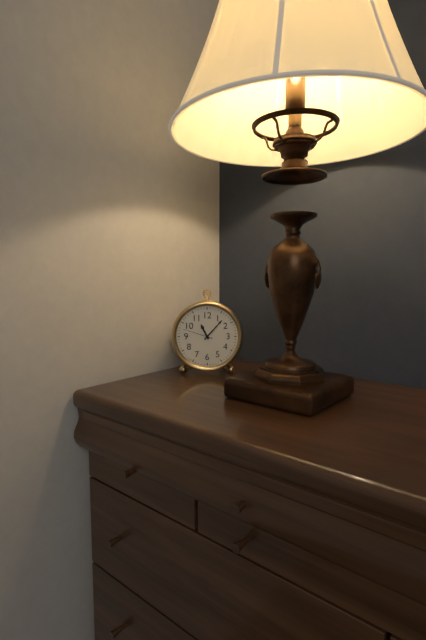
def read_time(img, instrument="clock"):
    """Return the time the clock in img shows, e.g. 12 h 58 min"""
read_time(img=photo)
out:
11 h 07 min
